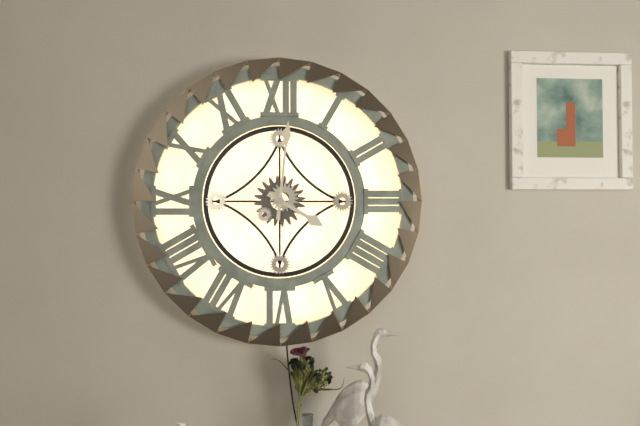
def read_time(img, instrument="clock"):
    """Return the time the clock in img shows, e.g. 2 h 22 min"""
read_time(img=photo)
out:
4 h 01 min
